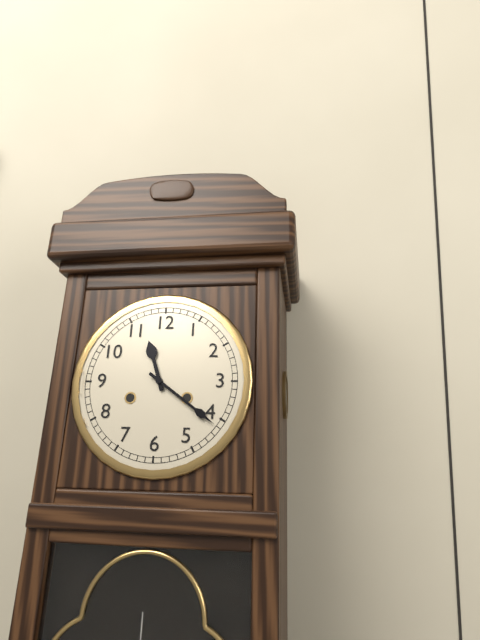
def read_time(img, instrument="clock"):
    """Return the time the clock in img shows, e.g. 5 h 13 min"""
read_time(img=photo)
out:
11 h 21 min
